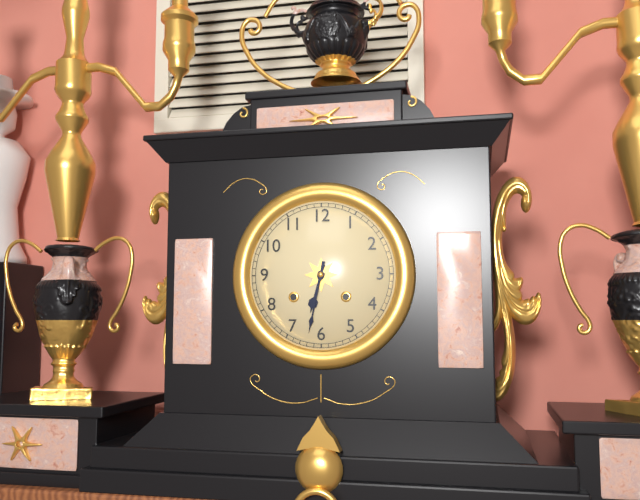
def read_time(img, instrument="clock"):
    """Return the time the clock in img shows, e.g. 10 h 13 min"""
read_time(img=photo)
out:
6 h 32 min
